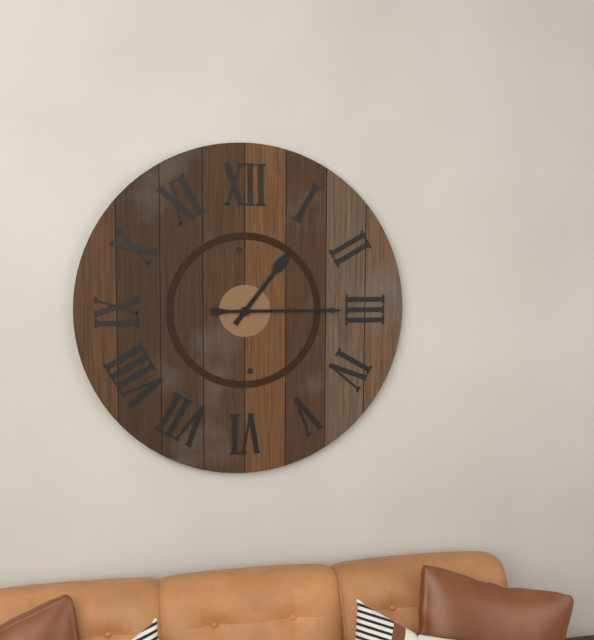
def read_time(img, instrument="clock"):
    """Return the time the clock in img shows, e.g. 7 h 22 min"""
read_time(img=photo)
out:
1 h 15 min
